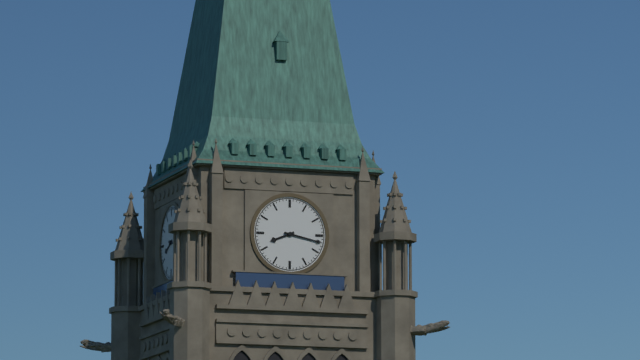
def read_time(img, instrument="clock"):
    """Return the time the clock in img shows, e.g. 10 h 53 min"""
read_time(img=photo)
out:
8 h 17 min
